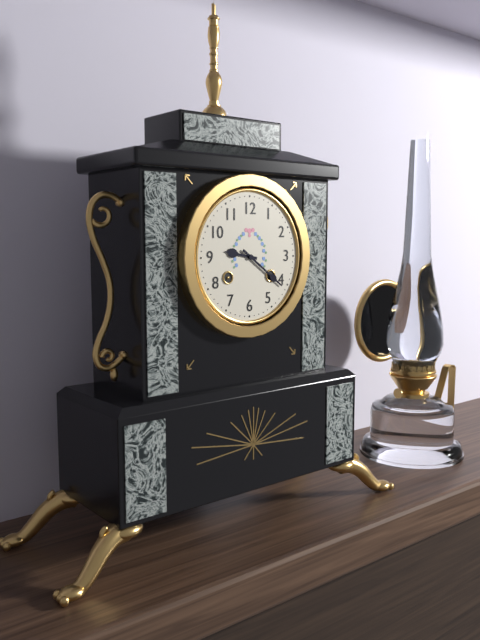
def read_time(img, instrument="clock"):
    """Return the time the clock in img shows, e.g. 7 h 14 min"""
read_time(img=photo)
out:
9 h 21 min
